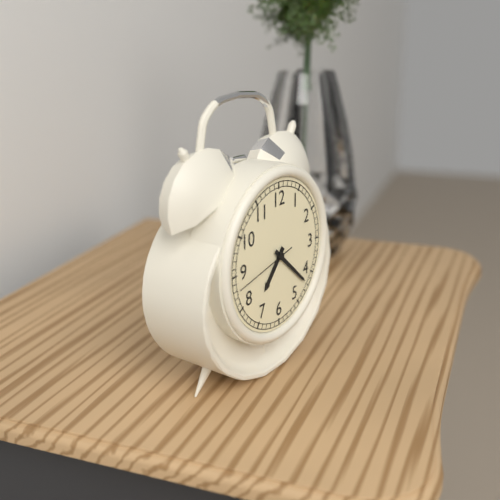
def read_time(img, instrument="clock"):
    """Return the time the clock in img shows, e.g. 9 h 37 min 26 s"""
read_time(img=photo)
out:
7 h 22 min 43 s
